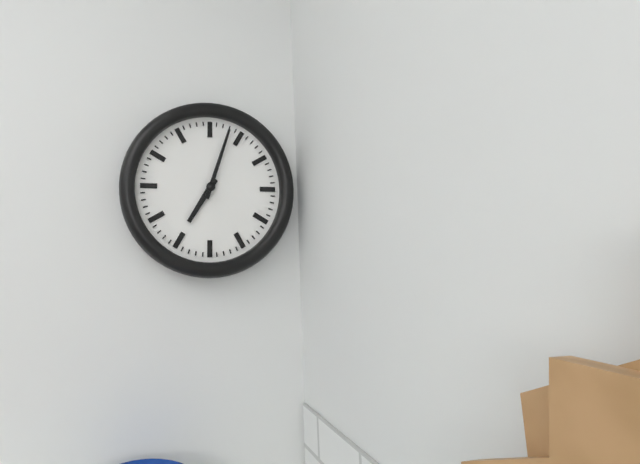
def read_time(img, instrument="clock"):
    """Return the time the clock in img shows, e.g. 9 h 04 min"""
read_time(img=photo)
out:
7 h 03 min
